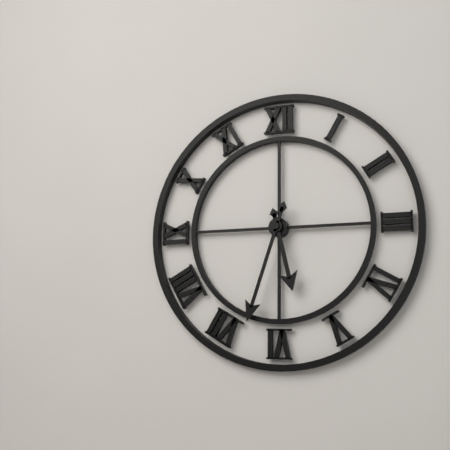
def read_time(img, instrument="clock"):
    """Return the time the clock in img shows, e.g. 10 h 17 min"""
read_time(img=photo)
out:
5 h 33 min
